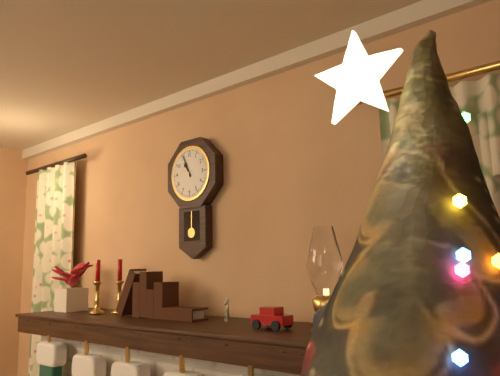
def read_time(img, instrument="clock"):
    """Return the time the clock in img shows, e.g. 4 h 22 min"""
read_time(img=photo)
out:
10 h 56 min
